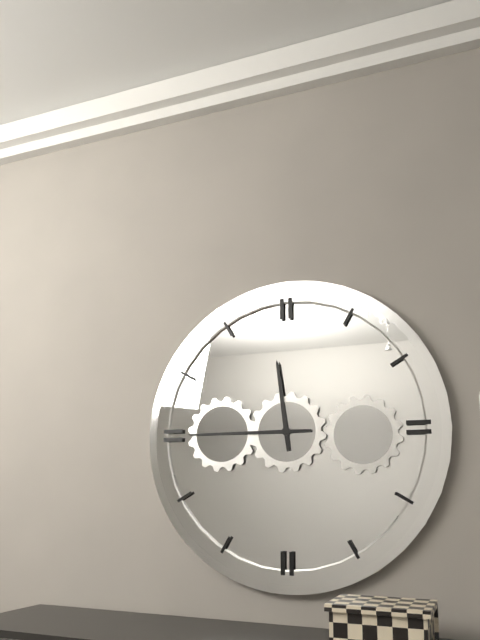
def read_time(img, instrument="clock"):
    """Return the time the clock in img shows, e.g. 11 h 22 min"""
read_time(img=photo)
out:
11 h 45 min
